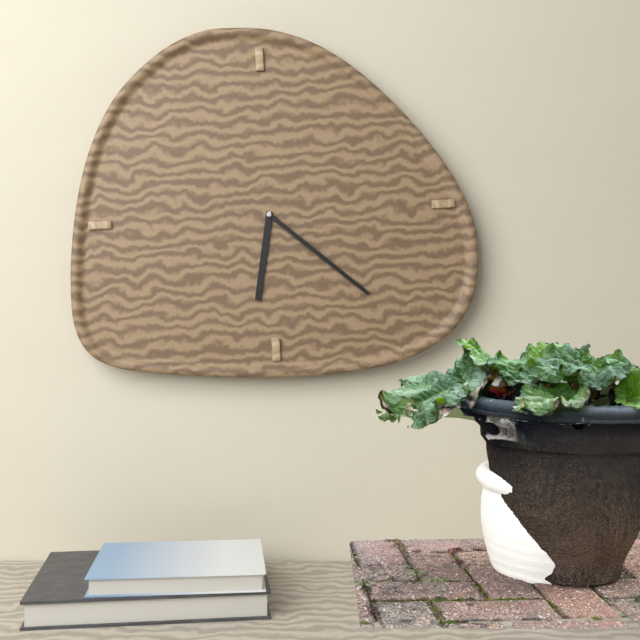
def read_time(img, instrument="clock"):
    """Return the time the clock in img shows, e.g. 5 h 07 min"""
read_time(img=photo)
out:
6 h 22 min
